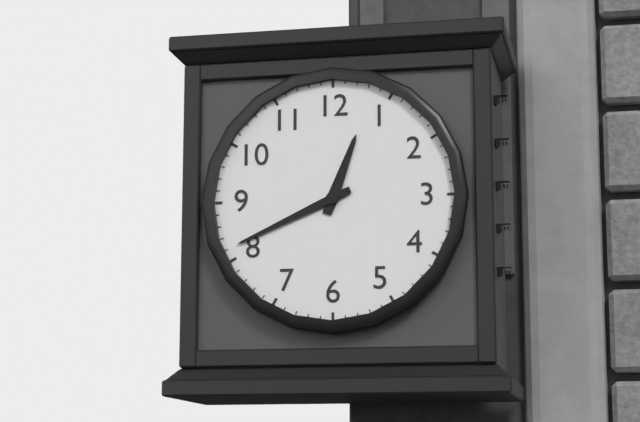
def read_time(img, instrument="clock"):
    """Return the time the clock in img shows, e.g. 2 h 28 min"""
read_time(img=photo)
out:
12 h 41 min
